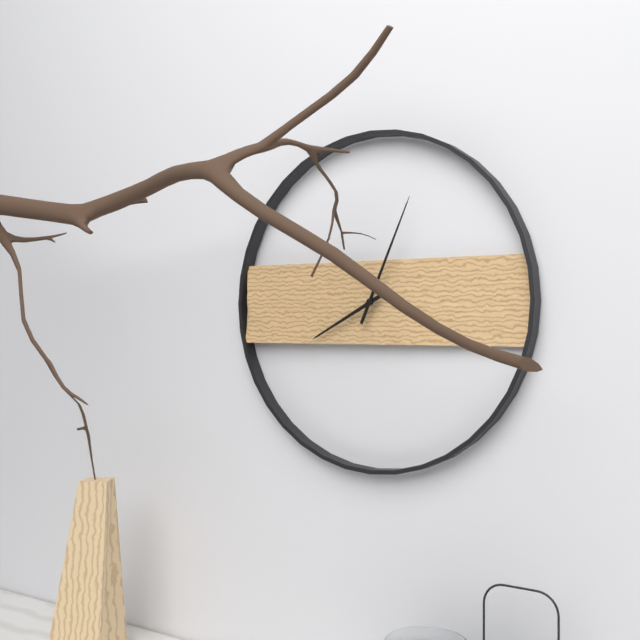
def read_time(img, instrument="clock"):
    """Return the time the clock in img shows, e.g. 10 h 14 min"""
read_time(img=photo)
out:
8 h 04 min
